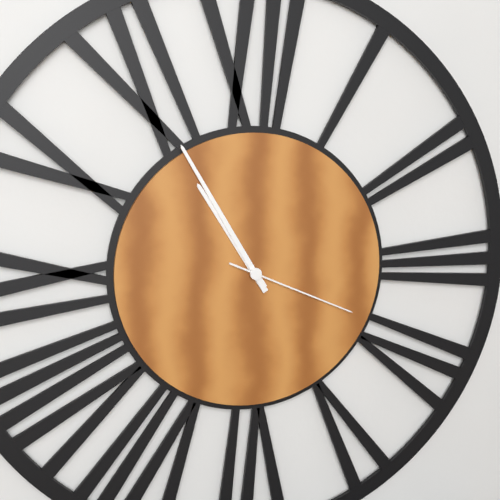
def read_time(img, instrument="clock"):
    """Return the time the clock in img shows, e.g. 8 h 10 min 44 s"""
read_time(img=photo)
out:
10 h 55 min 19 s
